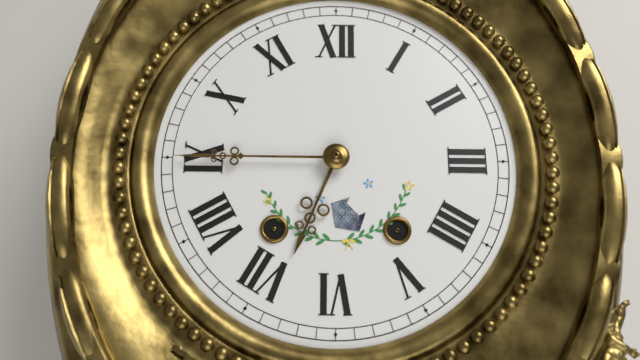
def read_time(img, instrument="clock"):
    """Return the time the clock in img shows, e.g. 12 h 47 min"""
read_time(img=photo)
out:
6 h 45 min
